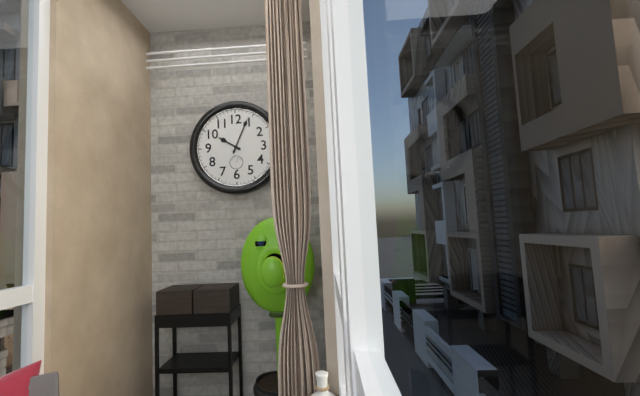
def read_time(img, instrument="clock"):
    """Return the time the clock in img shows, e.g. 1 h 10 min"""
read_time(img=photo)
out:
10 h 04 min
